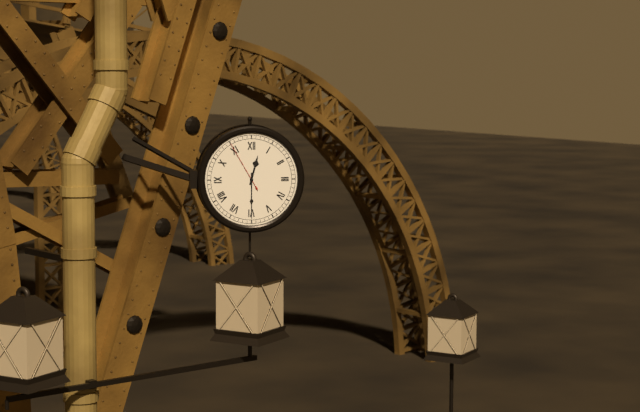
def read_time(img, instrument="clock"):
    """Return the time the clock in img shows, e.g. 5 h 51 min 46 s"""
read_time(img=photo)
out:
12 h 30 min 55 s
